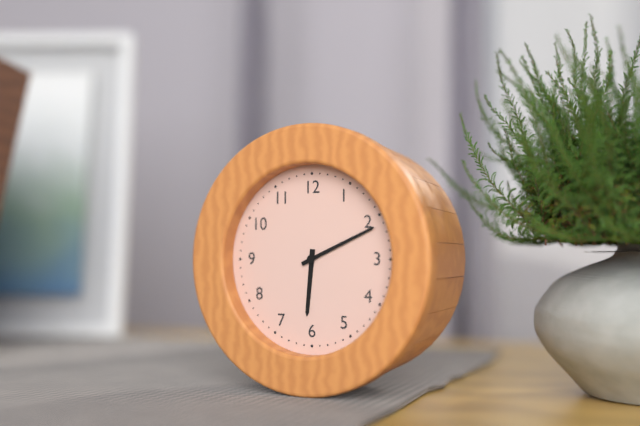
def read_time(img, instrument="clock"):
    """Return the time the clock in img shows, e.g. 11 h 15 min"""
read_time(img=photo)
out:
6 h 11 min
